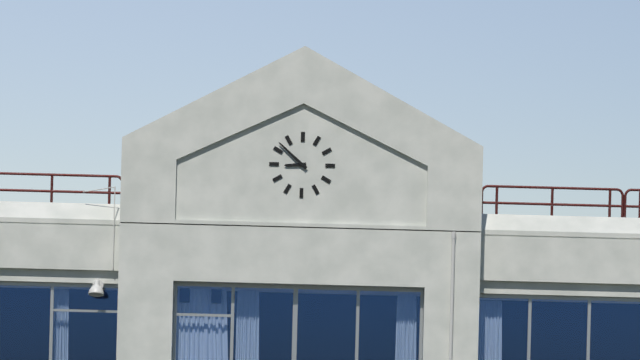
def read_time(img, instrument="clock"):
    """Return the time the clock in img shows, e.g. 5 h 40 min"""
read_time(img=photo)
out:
8 h 52 min
